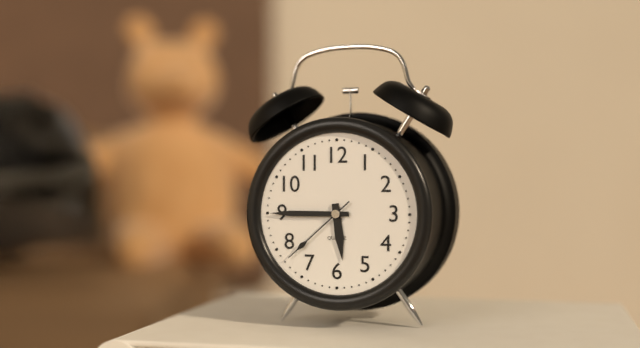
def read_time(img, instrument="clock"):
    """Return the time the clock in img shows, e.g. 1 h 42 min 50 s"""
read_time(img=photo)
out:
5 h 45 min 38 s
